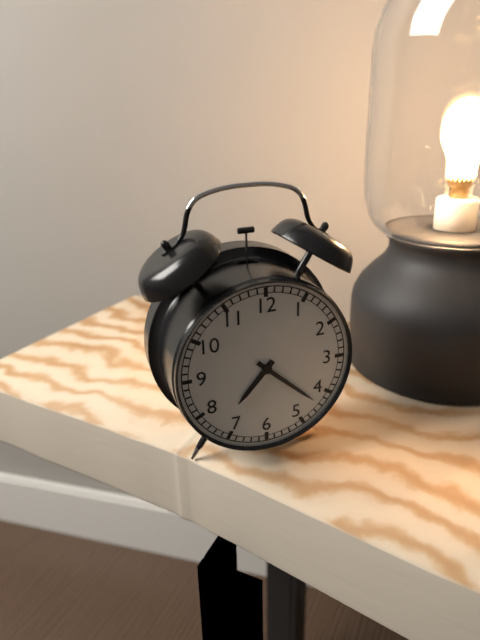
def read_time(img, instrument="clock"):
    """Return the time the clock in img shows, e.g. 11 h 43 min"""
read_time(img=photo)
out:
7 h 22 min
